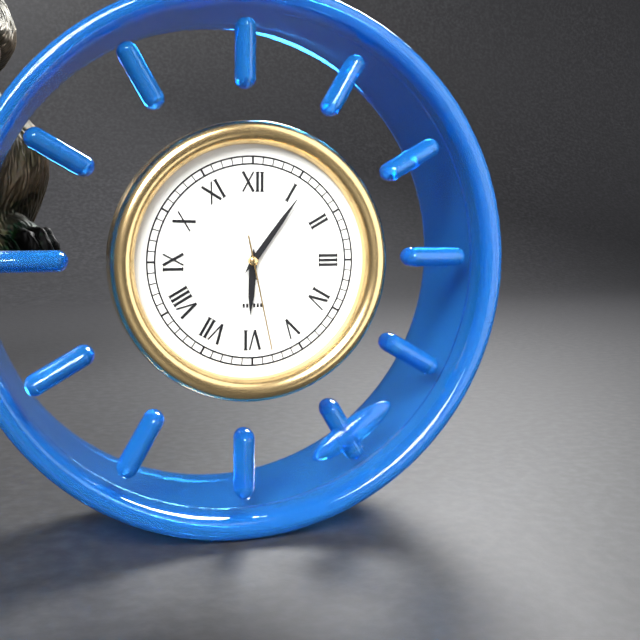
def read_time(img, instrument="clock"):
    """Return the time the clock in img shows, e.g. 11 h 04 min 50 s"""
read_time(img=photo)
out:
6 h 06 min 28 s
